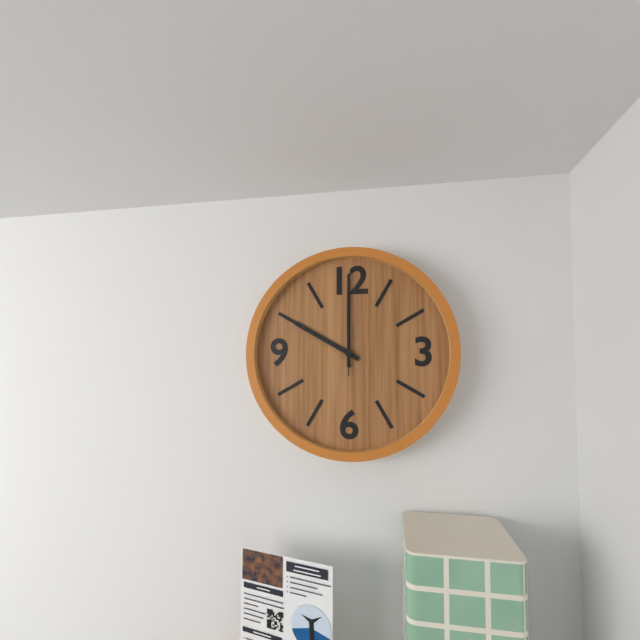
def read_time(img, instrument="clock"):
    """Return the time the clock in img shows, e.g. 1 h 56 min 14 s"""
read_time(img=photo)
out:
10 h 00 min 00 s
